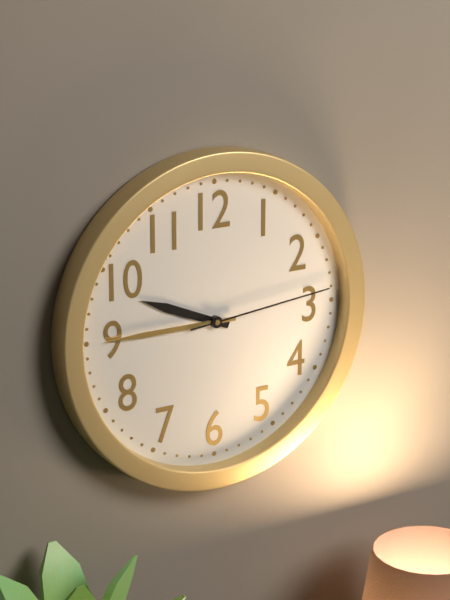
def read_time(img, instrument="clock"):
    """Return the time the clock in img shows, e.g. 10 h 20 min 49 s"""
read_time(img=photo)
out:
9 h 45 min 14 s
